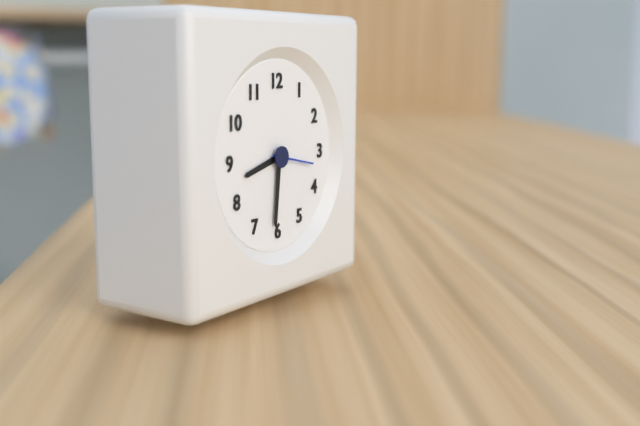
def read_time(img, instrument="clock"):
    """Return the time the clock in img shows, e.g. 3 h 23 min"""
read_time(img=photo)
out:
8 h 31 min
